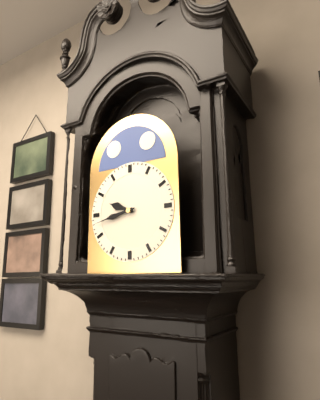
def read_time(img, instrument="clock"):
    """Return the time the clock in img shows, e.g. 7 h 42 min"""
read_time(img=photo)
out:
9 h 43 min
